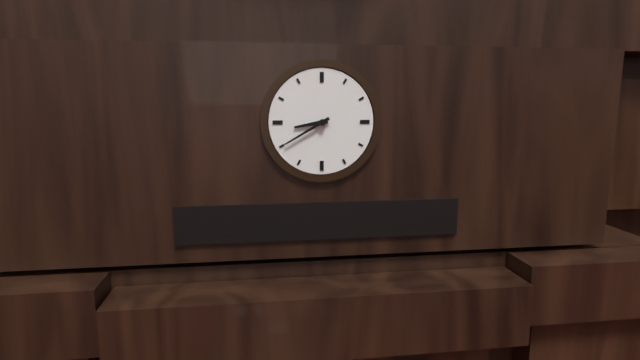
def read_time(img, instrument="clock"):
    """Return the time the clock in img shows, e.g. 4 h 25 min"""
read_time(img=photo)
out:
8 h 40 min
